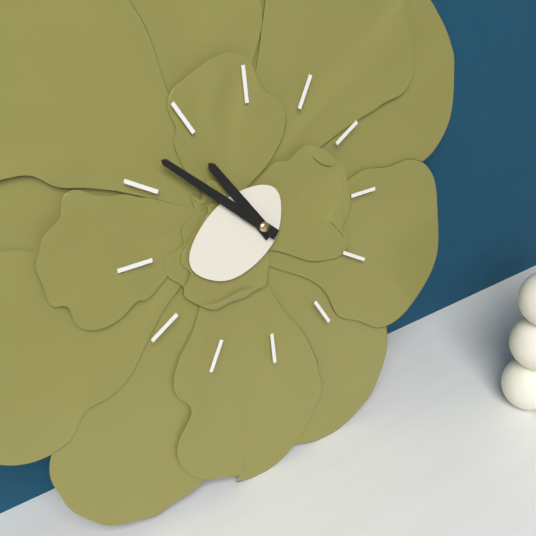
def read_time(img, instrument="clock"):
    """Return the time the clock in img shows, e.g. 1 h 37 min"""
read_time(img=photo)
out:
10 h 52 min
